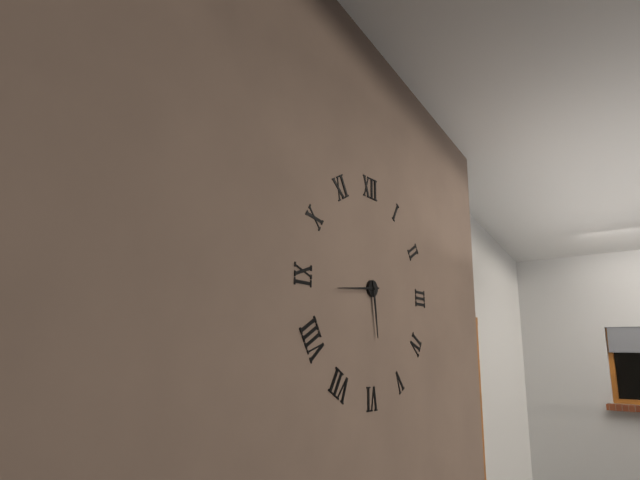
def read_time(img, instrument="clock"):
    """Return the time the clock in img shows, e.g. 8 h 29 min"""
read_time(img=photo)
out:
5 h 44 min
